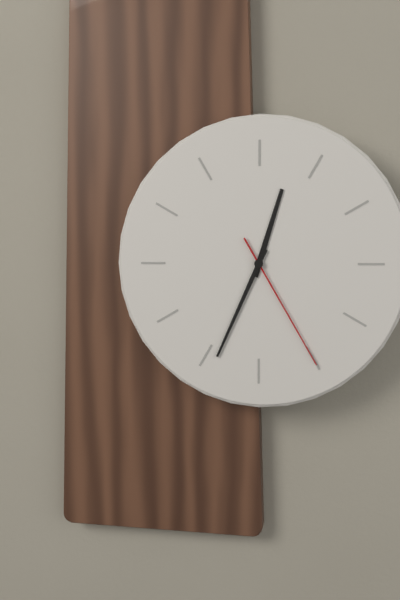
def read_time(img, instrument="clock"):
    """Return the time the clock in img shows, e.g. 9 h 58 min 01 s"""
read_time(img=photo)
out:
12 h 34 min 25 s
